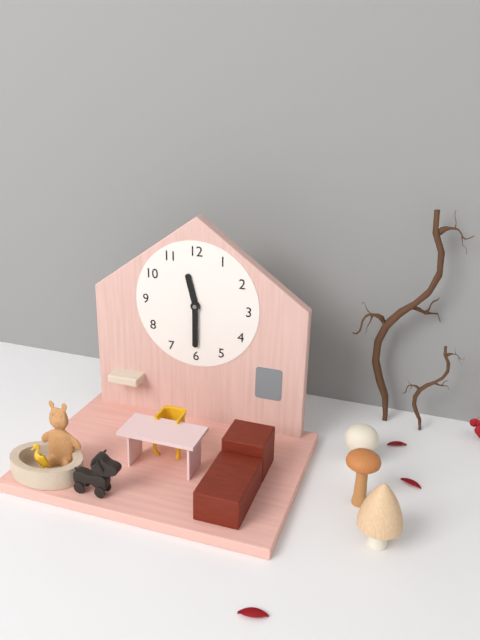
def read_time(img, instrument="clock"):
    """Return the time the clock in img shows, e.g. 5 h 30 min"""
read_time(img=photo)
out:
11 h 30 min
